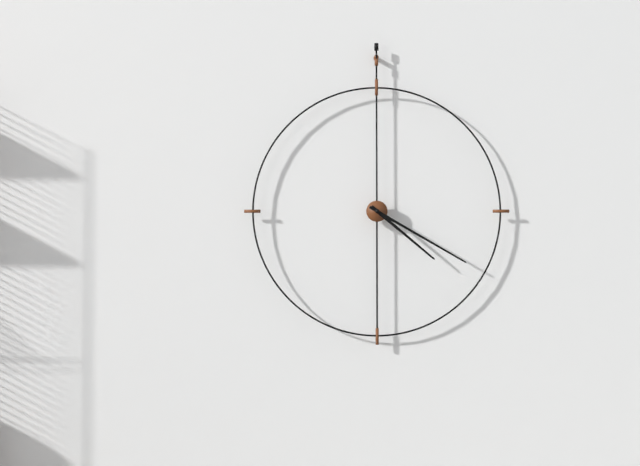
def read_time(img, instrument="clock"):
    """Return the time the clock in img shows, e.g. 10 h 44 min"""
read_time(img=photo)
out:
4 h 20 min
